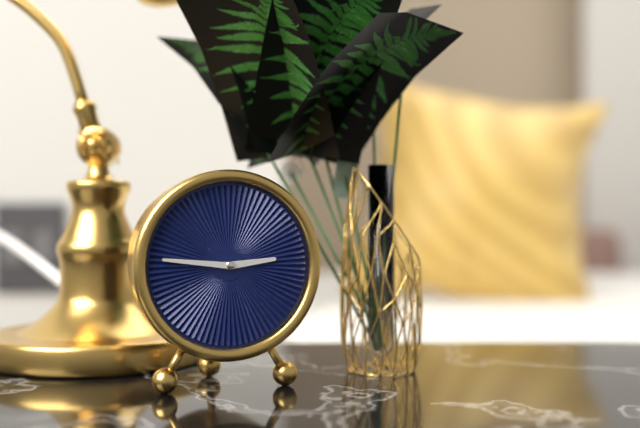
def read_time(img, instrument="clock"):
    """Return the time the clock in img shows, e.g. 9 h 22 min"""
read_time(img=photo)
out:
2 h 46 min
